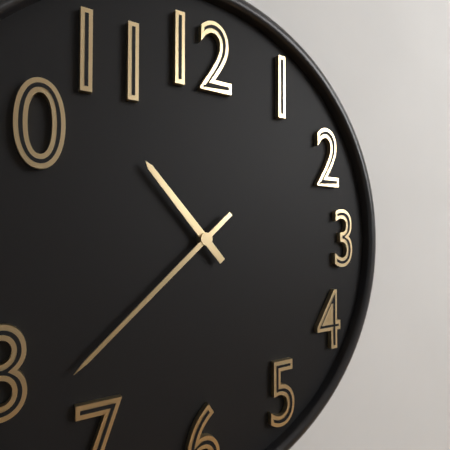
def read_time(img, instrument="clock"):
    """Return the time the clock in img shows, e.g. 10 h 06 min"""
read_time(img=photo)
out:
10 h 38 min
